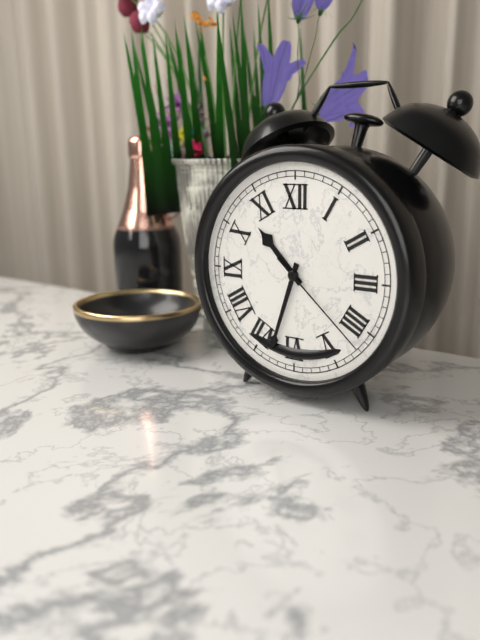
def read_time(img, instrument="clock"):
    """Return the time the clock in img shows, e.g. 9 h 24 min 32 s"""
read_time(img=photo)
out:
10 h 33 min 22 s
